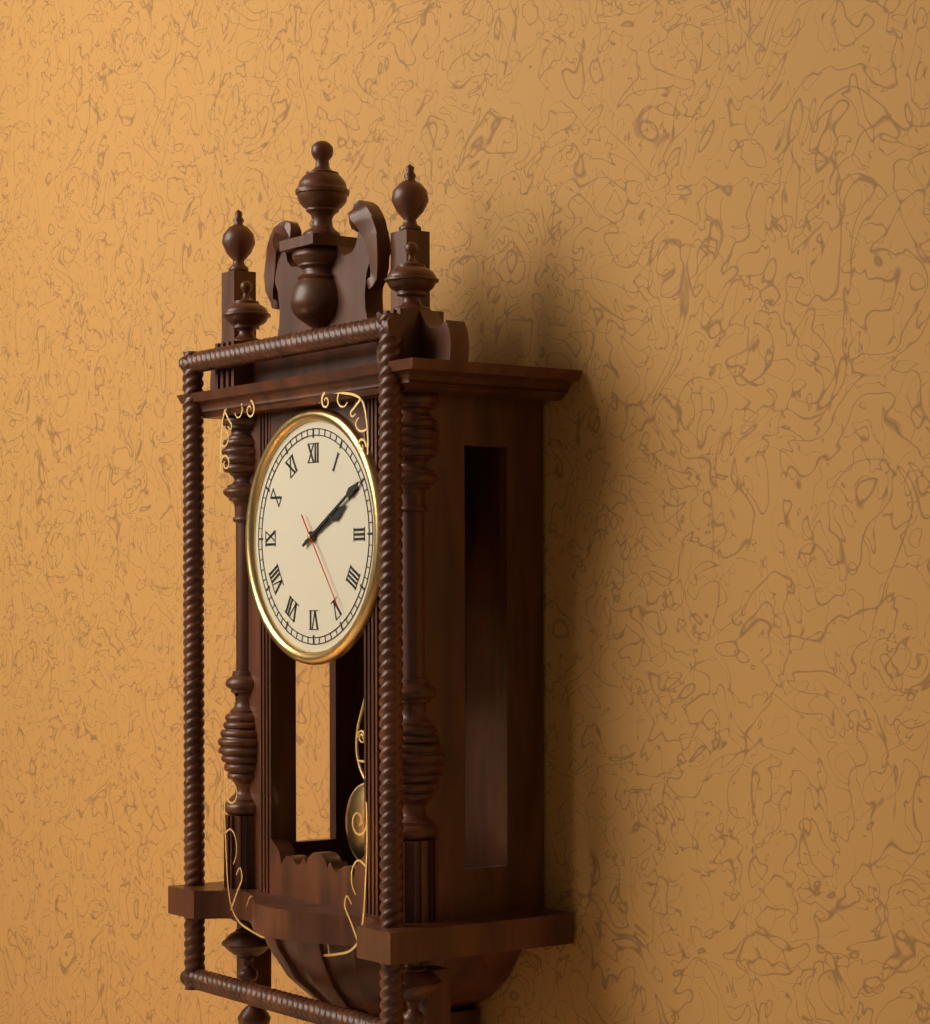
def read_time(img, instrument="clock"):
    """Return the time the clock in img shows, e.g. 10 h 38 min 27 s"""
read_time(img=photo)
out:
2 h 10 min 24 s
